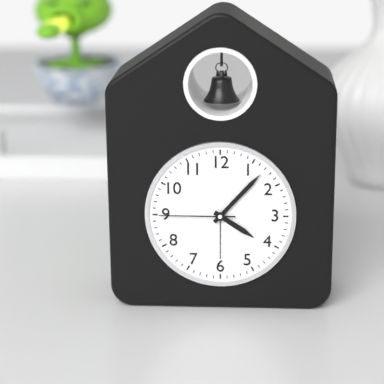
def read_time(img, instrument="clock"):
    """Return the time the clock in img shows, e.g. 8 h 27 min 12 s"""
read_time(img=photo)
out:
4 h 07 min 45 s
